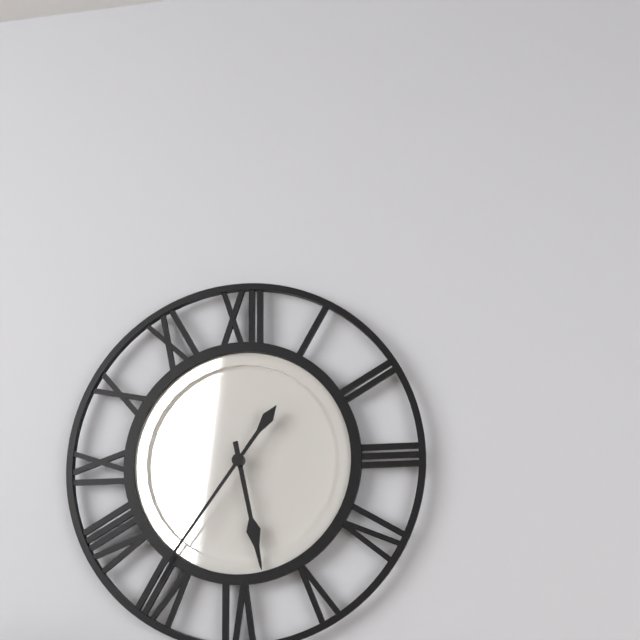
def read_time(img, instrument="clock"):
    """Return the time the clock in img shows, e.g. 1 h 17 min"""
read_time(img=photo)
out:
5 h 36 min
